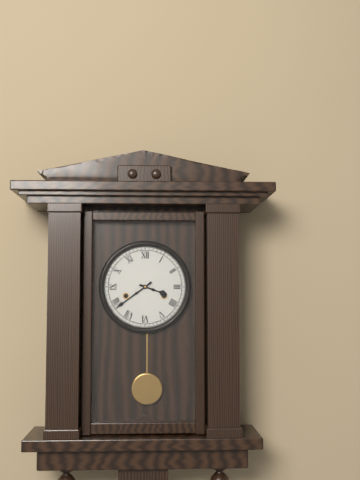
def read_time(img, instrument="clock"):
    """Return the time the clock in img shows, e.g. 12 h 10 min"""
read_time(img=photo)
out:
3 h 39 min
